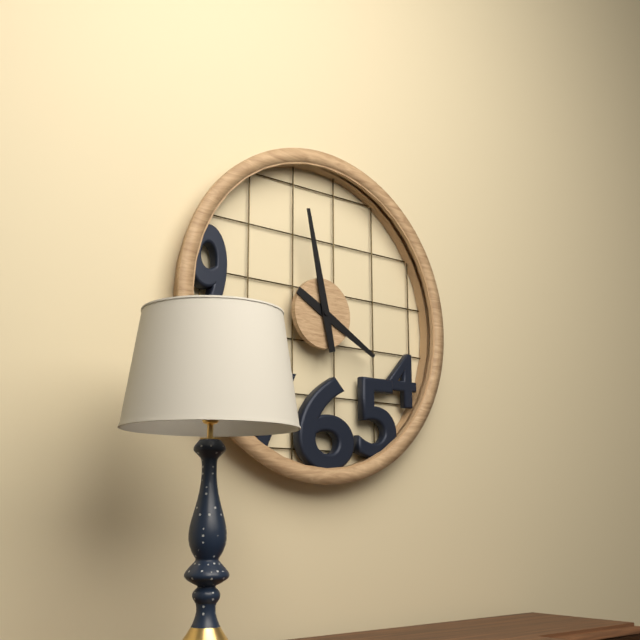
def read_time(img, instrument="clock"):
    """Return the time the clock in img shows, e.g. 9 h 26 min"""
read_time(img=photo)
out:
3 h 58 min
